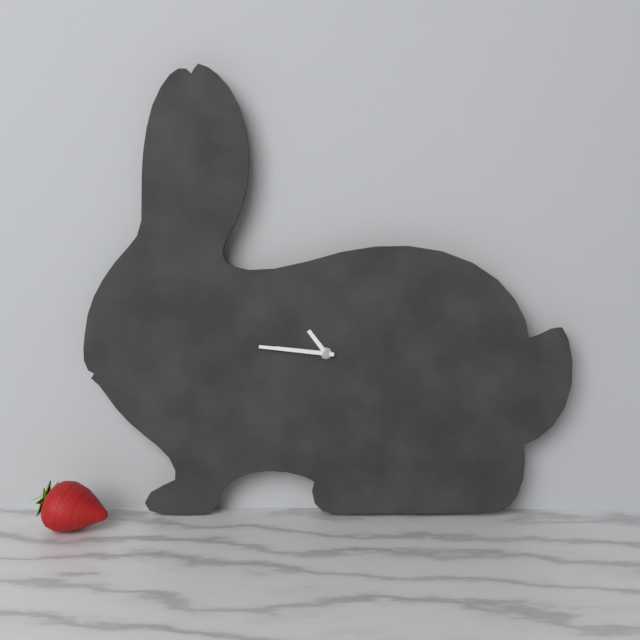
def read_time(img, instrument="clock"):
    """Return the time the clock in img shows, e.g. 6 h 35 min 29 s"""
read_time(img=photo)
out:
10 h 46 min 46 s
